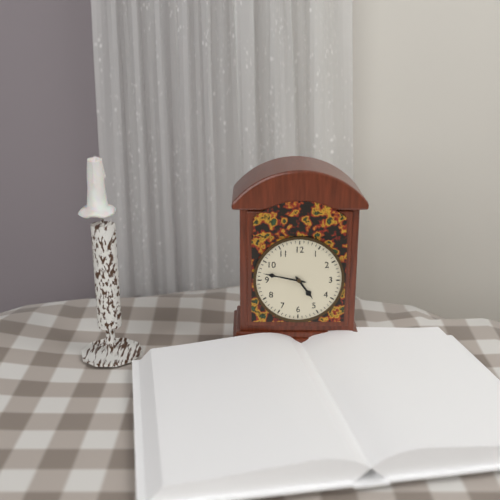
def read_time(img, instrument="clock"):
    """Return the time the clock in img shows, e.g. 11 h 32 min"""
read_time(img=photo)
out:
4 h 47 min
